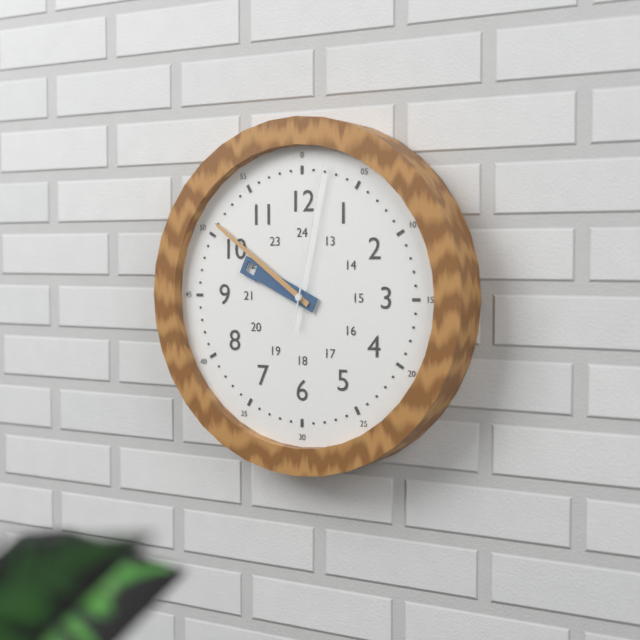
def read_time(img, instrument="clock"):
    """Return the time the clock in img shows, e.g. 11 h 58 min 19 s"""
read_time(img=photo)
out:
9 h 51 min 02 s
